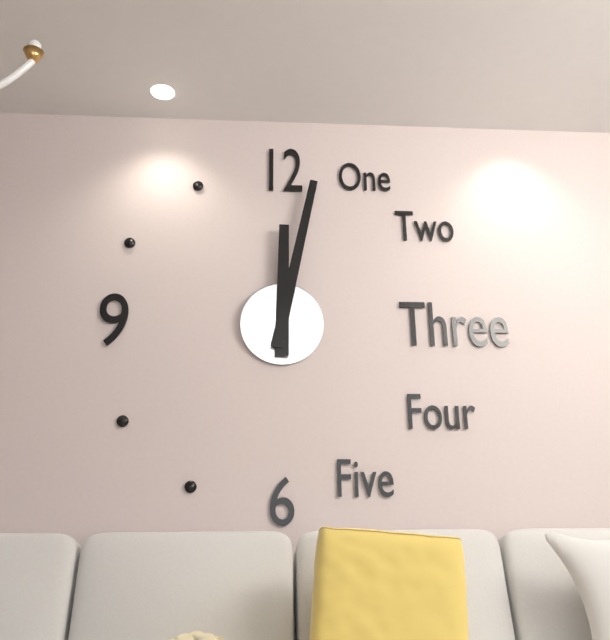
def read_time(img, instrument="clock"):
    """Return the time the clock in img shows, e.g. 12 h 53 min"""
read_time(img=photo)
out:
12 h 02 min
